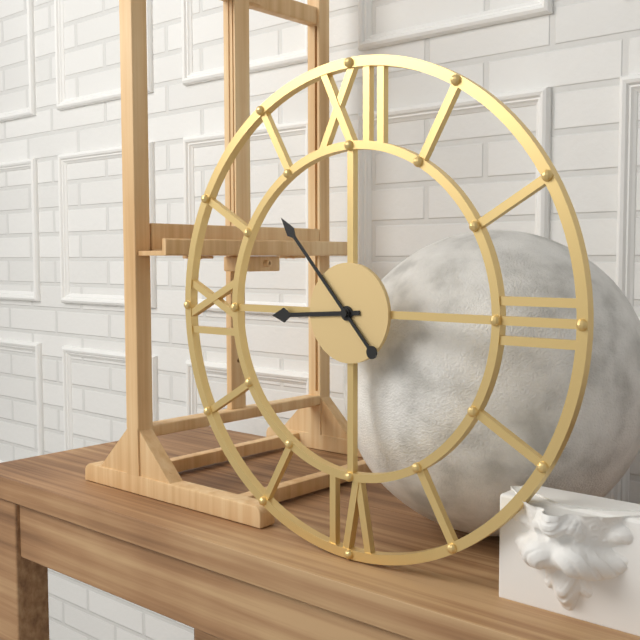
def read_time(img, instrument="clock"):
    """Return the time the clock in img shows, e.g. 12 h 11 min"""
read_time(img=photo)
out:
8 h 53 min
